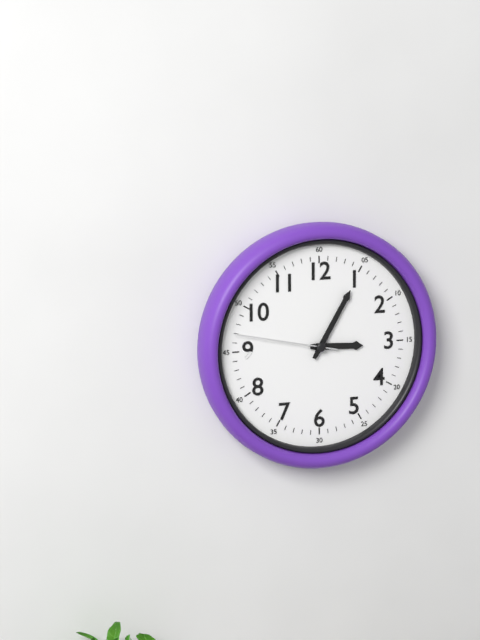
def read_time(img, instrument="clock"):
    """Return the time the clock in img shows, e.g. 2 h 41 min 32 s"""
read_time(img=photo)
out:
3 h 05 min 47 s
